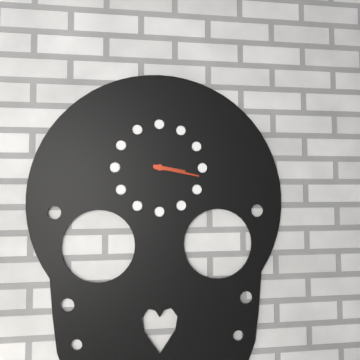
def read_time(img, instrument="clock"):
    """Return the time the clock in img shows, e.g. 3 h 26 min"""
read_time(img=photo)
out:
3 h 17 min
